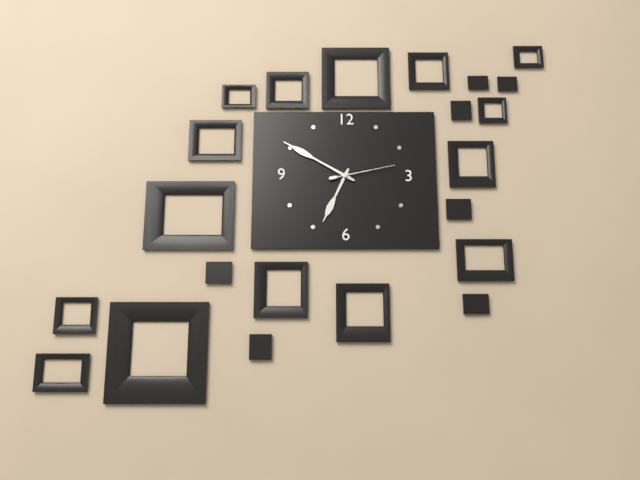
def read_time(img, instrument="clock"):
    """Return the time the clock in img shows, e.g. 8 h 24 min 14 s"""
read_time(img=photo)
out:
6 h 50 min 13 s
